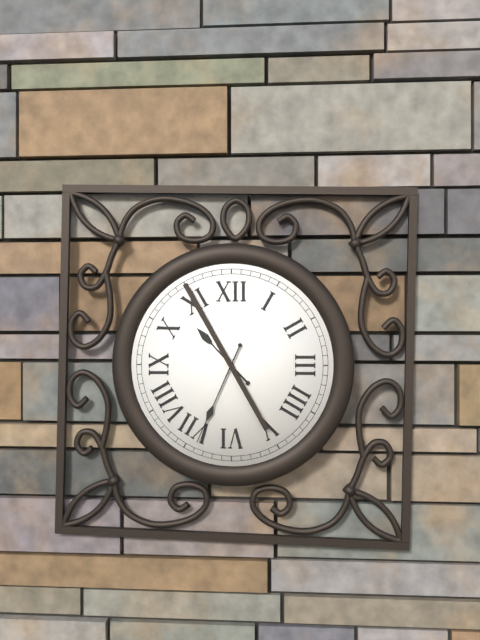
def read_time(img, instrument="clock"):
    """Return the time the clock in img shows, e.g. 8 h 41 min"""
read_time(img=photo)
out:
10 h 34 min
